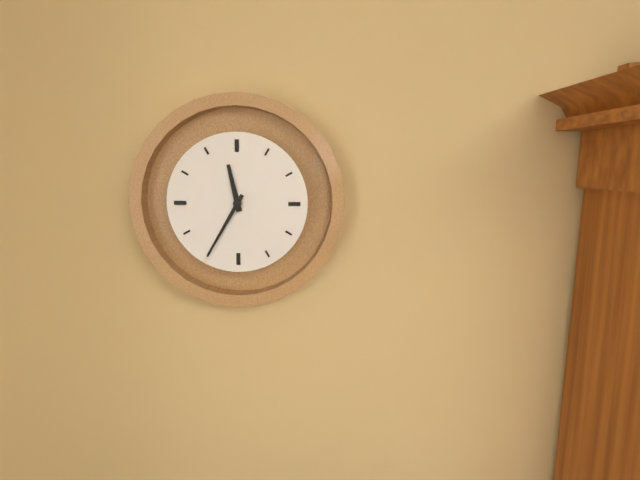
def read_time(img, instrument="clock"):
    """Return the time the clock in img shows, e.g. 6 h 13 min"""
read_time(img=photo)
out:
11 h 35 min
